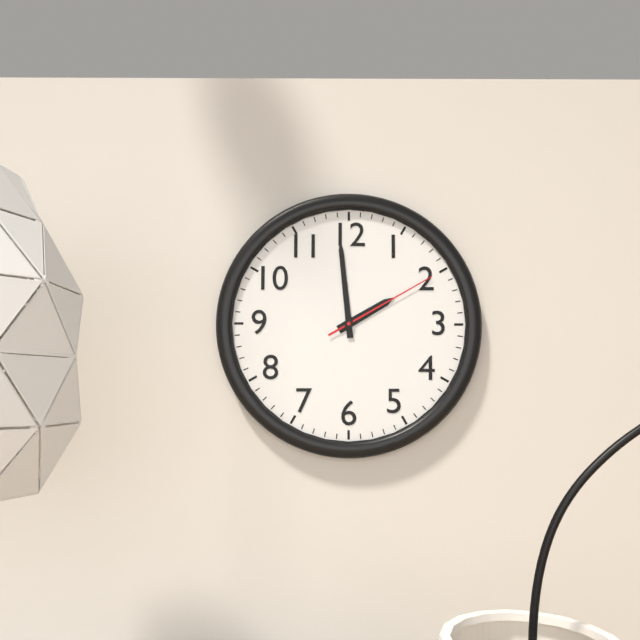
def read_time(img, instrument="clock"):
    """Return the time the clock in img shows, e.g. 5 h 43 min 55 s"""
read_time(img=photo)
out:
1 h 59 min 10 s
